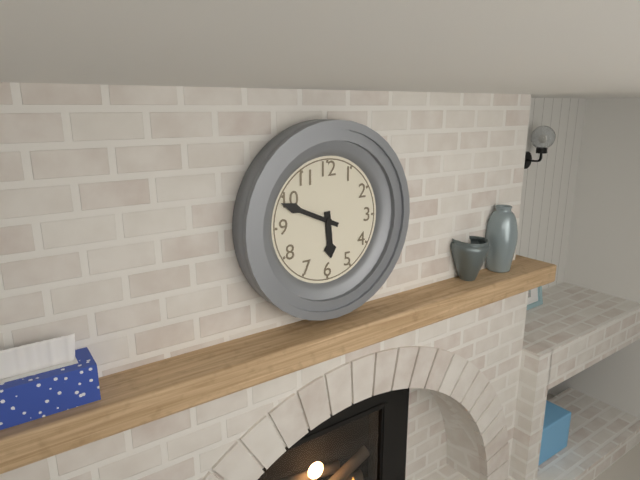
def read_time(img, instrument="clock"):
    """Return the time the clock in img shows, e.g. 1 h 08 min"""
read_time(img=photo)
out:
5 h 49 min
